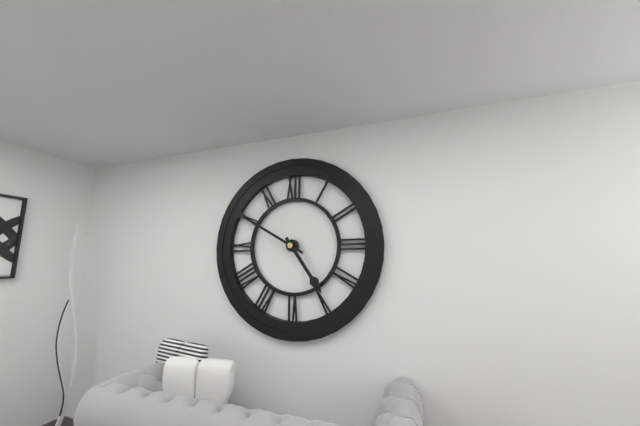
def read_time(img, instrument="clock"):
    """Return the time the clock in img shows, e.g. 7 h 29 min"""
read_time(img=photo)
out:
4 h 50 min
